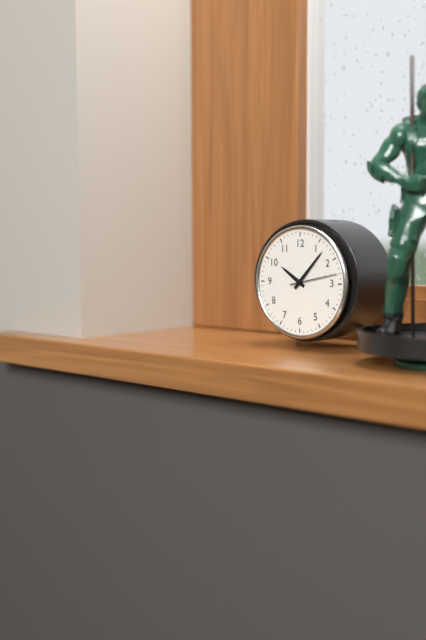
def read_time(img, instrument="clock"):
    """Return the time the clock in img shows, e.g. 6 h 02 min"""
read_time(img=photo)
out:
10 h 07 min
